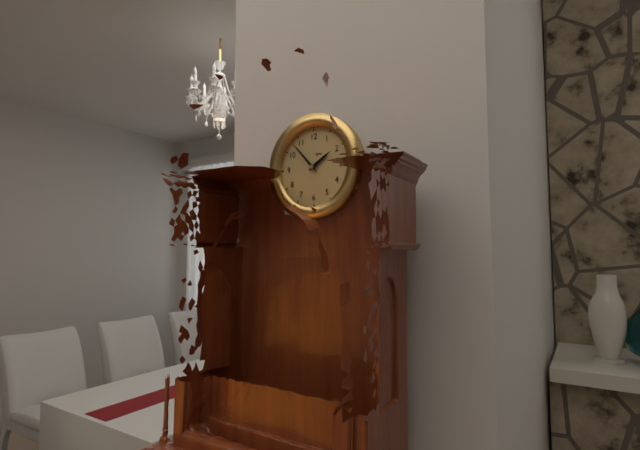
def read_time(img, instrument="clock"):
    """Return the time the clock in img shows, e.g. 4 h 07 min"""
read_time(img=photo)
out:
1 h 53 min
